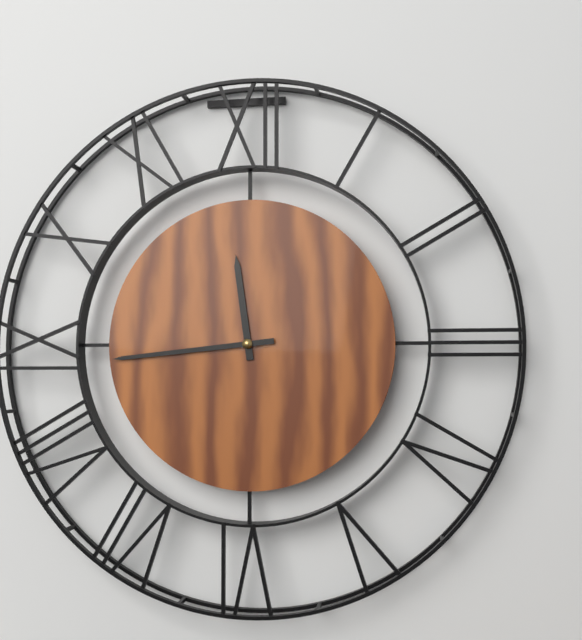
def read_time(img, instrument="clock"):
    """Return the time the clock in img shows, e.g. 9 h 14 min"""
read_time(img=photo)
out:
11 h 44 min
